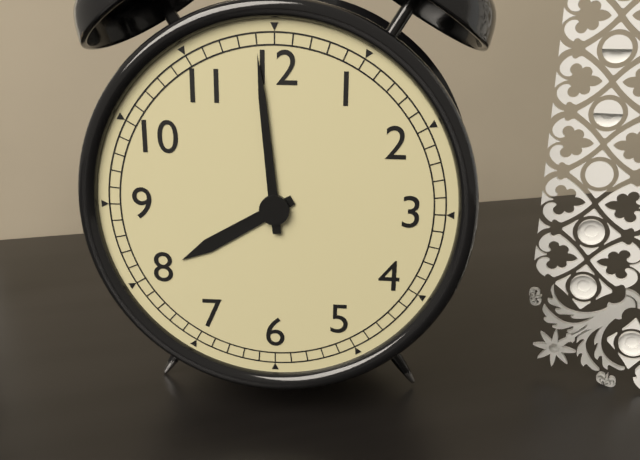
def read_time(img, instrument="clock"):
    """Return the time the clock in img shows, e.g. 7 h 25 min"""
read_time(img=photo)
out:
7 h 59 min
